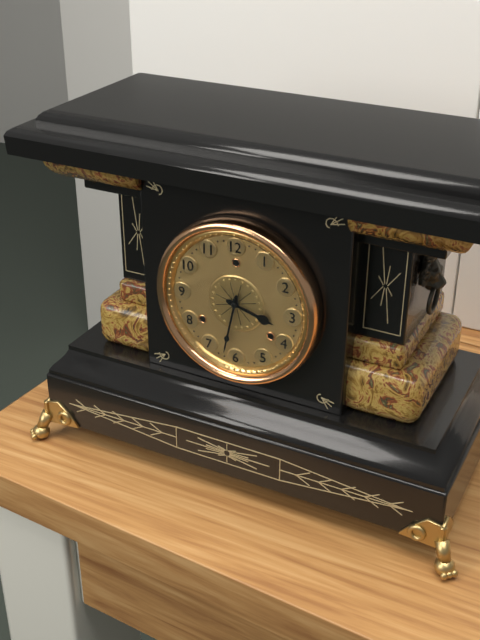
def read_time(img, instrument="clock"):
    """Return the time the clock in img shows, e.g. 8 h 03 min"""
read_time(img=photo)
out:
3 h 32 min
